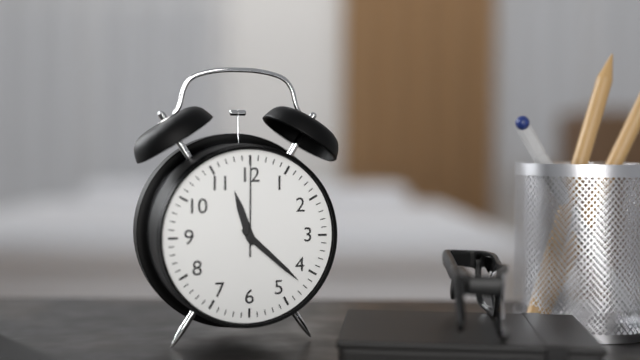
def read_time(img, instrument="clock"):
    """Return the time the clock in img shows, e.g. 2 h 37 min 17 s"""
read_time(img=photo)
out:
11 h 22 min 00 s
